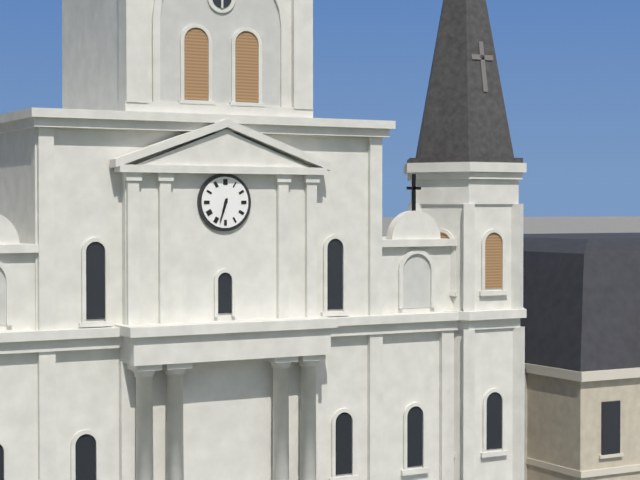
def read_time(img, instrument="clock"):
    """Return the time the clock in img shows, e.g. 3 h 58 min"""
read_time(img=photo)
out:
6 h 33 min
